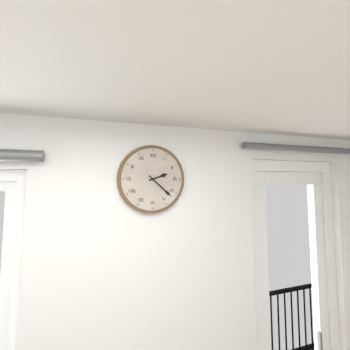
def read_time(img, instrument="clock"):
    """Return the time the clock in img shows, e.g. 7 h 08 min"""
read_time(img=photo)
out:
2 h 22 min
